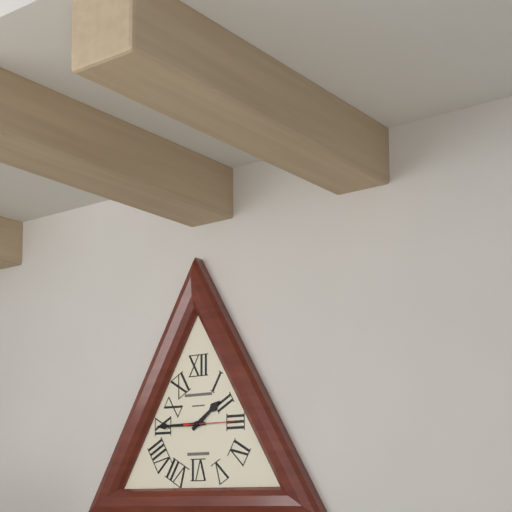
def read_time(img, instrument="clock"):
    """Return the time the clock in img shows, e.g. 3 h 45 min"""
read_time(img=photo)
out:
1 h 45 min
